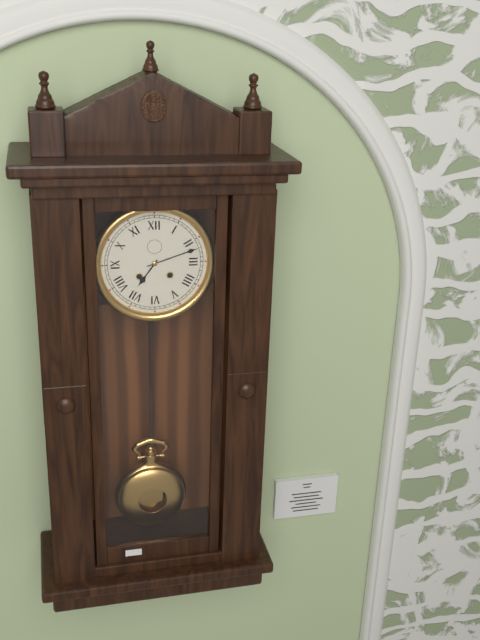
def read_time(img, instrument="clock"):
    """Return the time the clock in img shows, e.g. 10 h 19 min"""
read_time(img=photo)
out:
7 h 12 min
